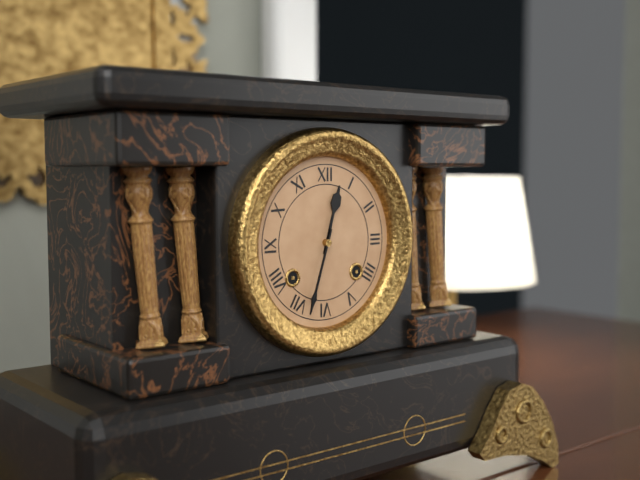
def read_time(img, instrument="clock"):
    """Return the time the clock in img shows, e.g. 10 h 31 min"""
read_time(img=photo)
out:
12 h 33 min
